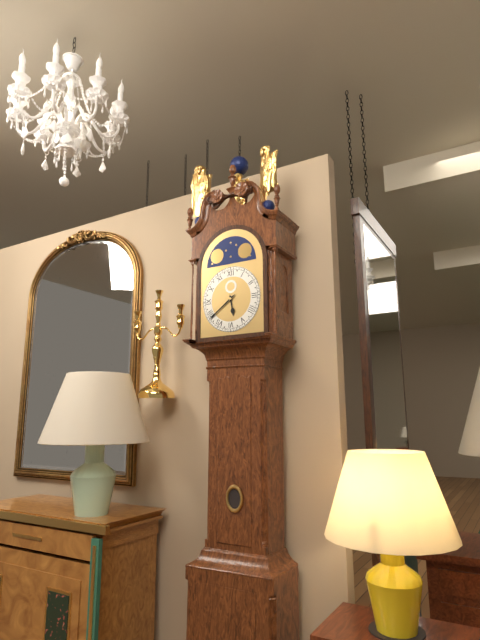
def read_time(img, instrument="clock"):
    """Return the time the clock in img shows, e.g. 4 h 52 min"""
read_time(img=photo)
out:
5 h 39 min
